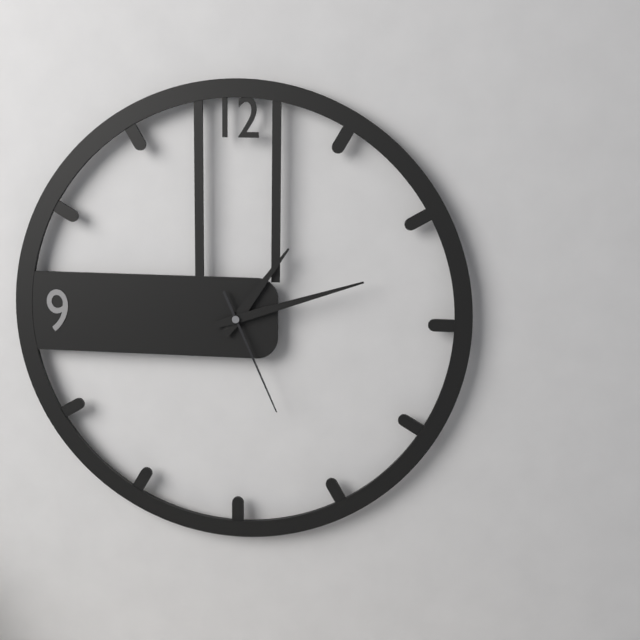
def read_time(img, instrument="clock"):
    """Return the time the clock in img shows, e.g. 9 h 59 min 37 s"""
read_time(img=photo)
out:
1 h 12 min 26 s
